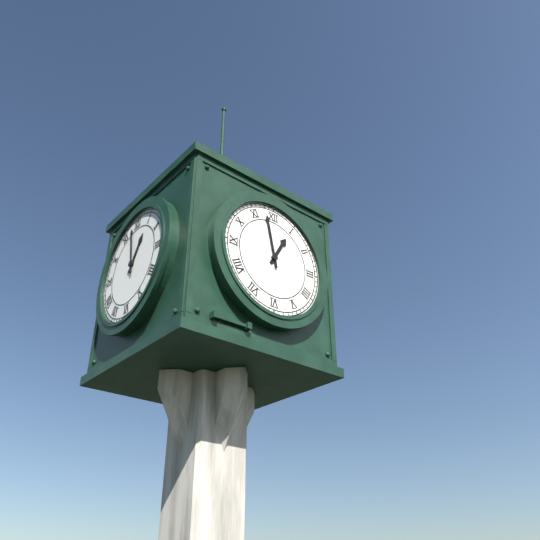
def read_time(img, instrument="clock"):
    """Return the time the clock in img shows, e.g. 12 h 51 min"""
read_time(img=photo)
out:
12 h 58 min
